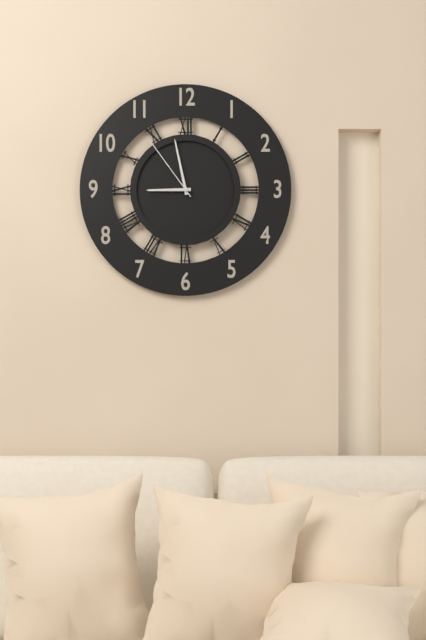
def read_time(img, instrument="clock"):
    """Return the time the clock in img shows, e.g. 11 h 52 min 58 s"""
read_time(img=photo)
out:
8 h 58 min 54 s
